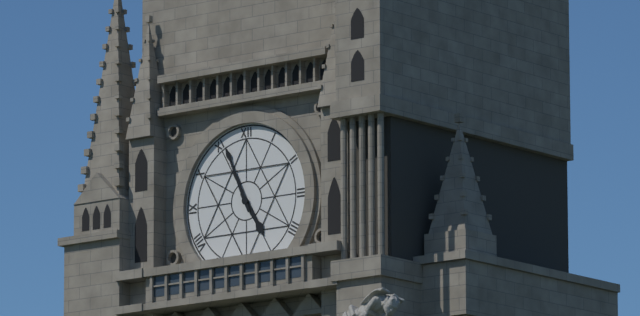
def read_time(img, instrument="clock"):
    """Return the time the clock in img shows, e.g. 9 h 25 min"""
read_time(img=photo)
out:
4 h 56 min
